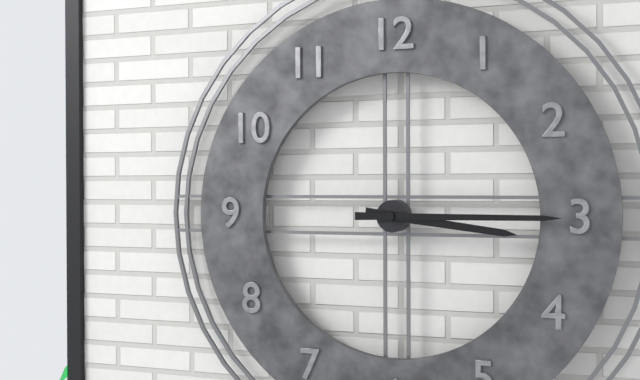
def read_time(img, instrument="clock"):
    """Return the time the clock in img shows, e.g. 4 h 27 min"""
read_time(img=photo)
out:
3 h 15 min
